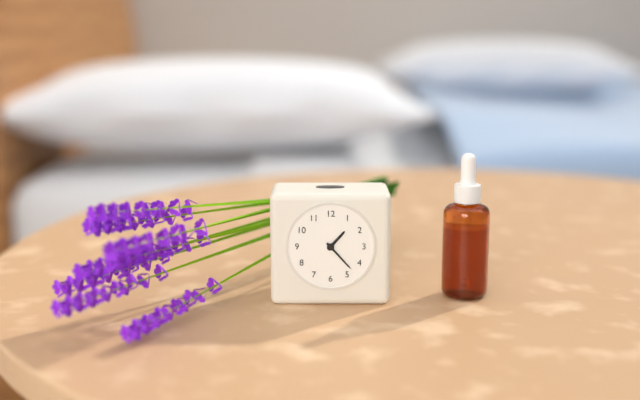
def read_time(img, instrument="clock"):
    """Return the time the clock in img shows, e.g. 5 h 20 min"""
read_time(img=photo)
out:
1 h 23 min
